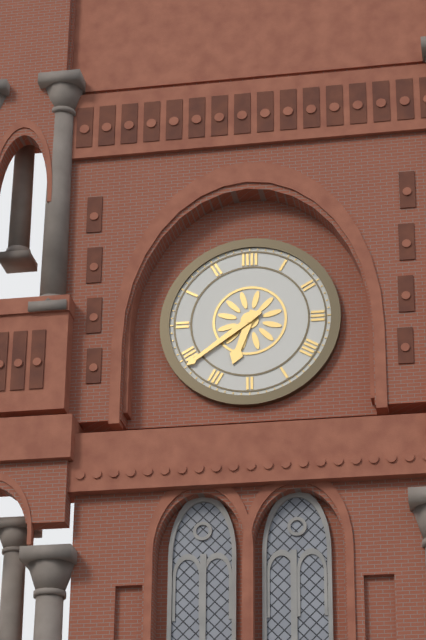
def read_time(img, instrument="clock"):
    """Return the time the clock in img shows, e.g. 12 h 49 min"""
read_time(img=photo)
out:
6 h 39 min
